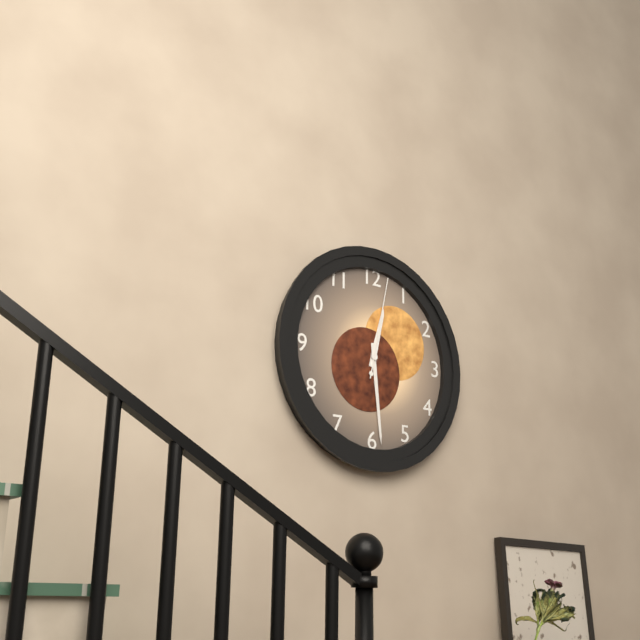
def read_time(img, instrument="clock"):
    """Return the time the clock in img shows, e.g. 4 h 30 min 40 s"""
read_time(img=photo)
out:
12 h 29 min 02 s
